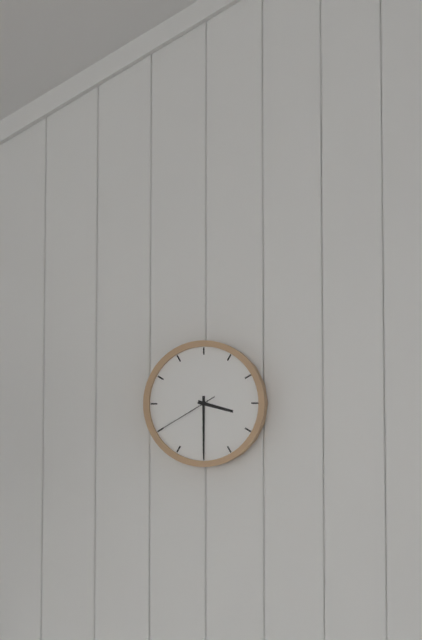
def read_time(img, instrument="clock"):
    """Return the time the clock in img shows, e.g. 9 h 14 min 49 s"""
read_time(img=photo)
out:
3 h 30 min 40 s
